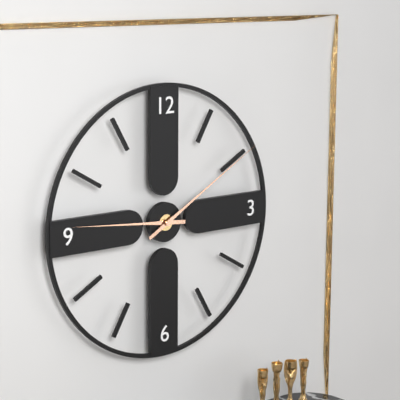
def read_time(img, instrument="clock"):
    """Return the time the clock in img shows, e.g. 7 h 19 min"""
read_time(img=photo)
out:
9 h 10 min
